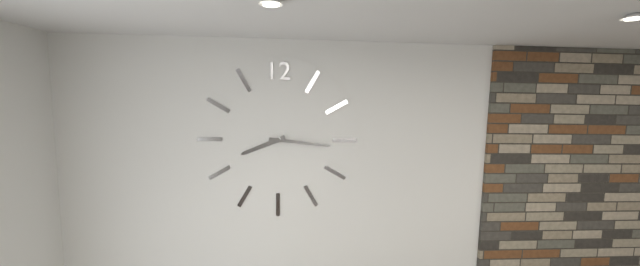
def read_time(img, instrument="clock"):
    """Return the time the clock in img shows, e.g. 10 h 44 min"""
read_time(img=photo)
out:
8 h 16 min
